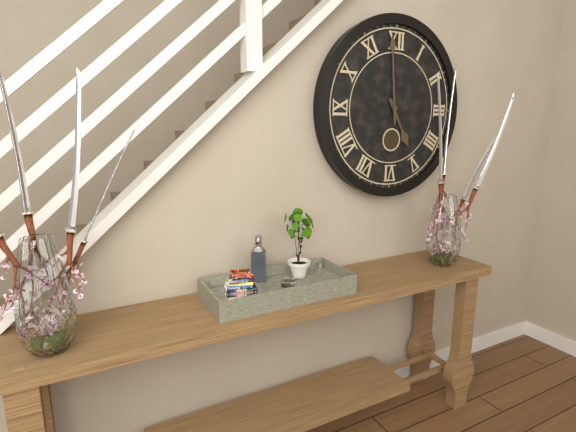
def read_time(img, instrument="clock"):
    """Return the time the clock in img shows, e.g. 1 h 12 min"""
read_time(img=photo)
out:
4 h 59 min
